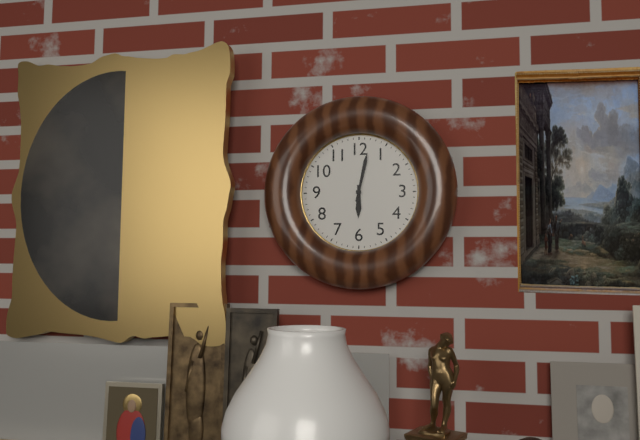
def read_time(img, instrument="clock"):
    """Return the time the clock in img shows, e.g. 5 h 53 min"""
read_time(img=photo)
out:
6 h 02 min
